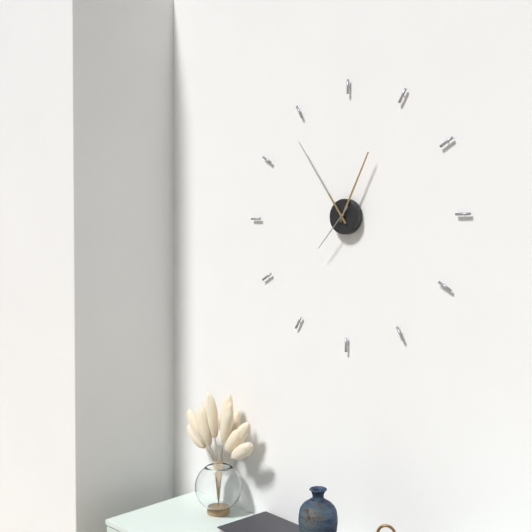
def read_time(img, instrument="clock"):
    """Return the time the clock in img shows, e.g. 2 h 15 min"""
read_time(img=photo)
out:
12 h 54 min
